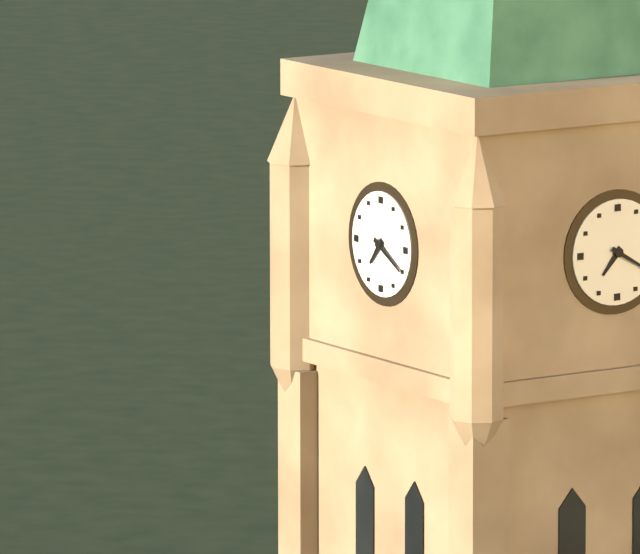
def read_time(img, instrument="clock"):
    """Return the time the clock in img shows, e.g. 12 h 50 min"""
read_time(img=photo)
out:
7 h 20 min
